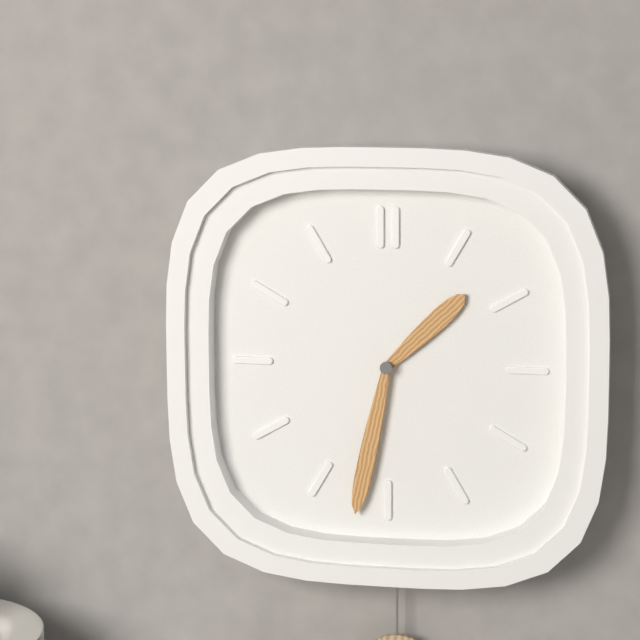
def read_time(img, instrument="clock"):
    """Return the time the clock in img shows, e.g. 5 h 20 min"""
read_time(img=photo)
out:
1 h 32 min
